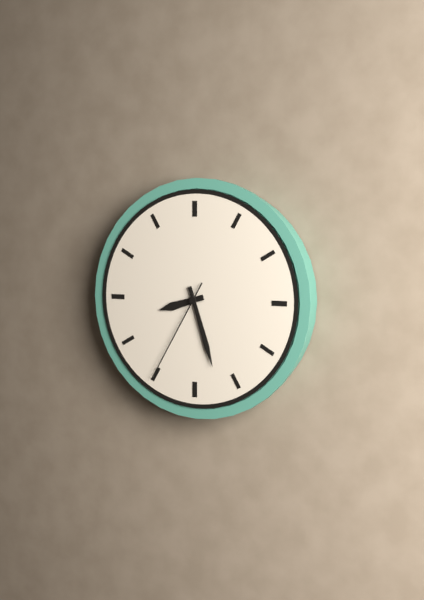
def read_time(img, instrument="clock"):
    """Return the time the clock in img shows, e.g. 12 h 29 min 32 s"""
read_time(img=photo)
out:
8 h 27 min 35 s
